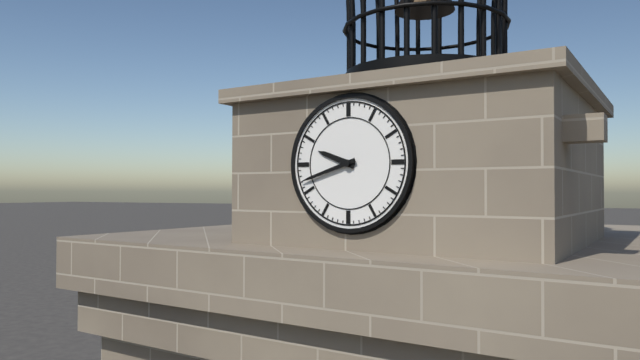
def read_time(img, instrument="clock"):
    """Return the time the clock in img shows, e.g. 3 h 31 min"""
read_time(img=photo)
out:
9 h 42 min
